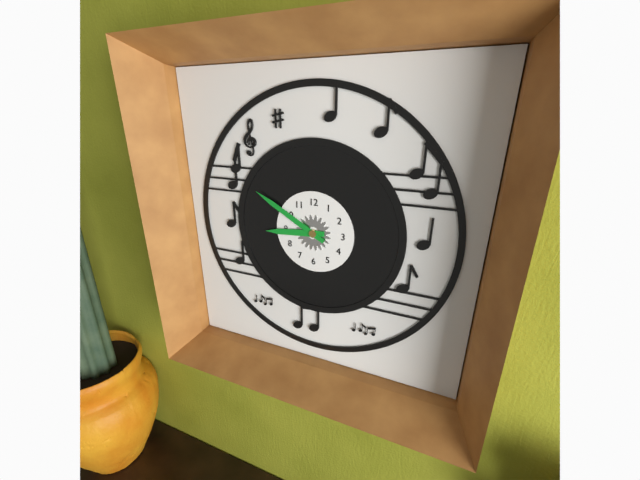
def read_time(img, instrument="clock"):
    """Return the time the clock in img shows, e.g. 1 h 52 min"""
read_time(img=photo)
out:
8 h 50 min
